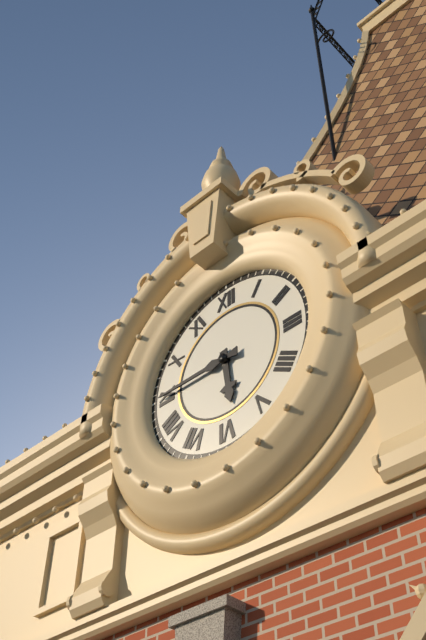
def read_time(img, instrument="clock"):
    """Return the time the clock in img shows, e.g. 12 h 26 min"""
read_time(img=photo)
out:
5 h 45 min
